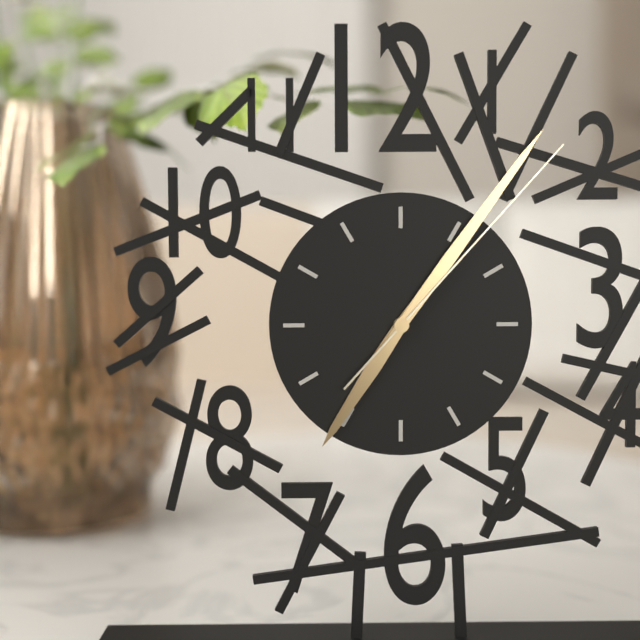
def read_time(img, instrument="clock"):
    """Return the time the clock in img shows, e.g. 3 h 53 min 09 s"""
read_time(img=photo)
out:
7 h 06 min 07 s
